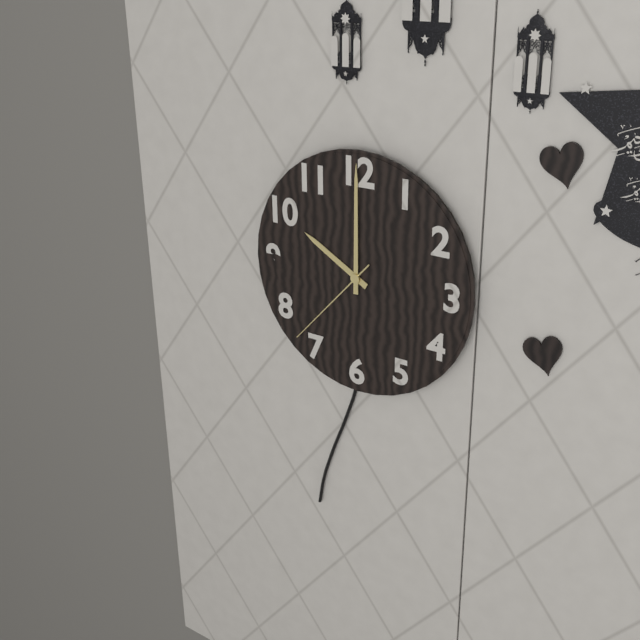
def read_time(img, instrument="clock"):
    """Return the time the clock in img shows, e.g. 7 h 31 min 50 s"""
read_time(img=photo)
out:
10 h 00 min 37 s
